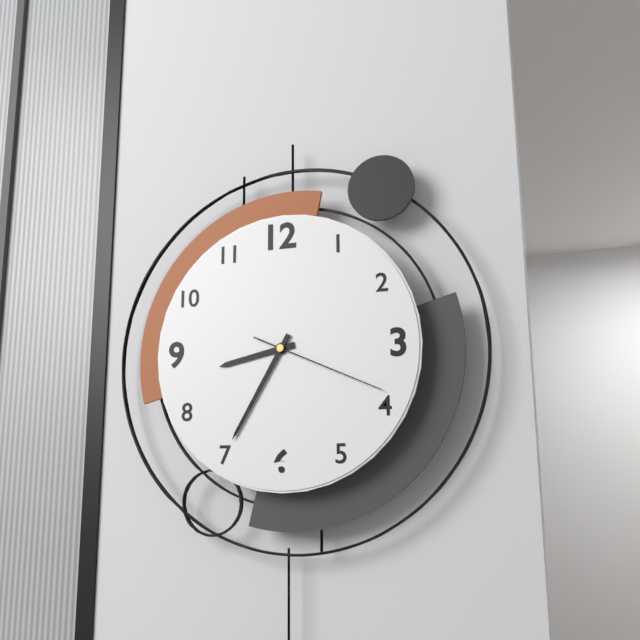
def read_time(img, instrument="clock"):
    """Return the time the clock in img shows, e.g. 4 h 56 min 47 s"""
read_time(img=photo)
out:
8 h 35 min 19 s
